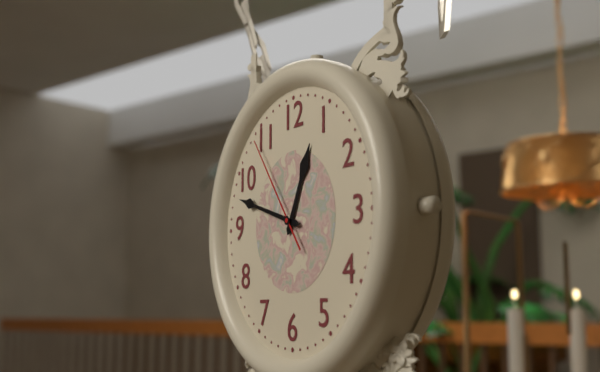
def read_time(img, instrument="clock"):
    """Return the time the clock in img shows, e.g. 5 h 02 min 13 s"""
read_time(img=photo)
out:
12 h 48 min 54 s
